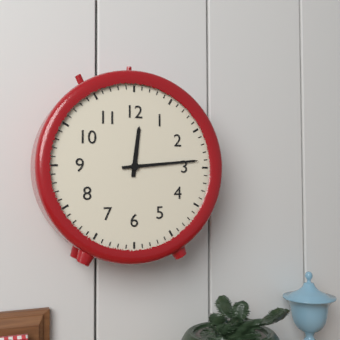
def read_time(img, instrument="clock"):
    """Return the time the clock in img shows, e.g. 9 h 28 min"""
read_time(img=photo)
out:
12 h 14 min
